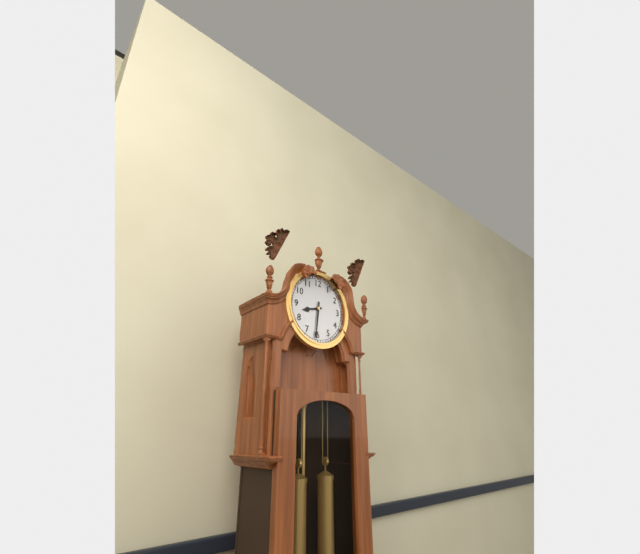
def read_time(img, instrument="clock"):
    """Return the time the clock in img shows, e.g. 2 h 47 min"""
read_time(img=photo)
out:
8 h 31 min
